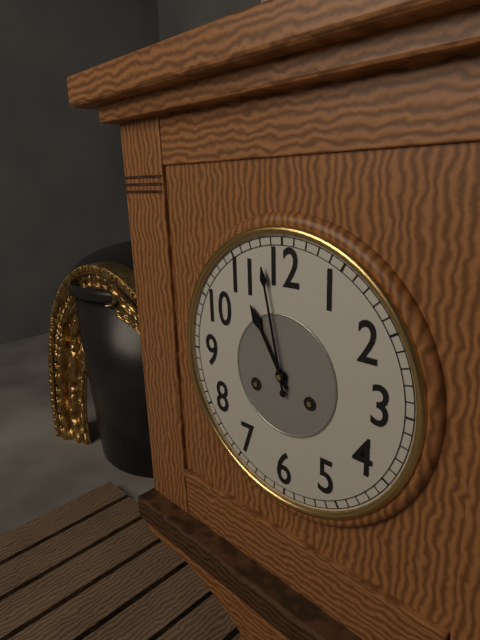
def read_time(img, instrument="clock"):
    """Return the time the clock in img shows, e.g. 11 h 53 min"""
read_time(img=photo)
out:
10 h 58 min
